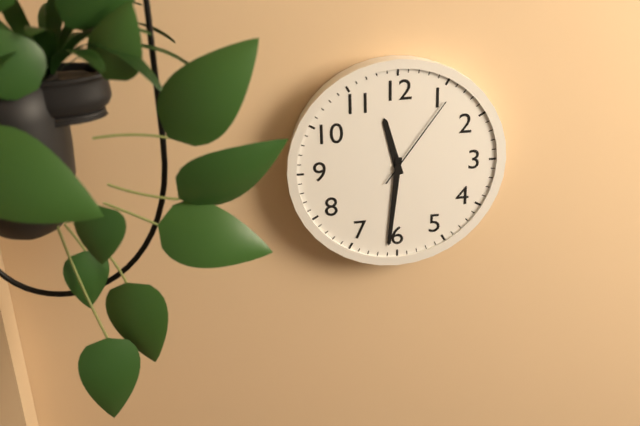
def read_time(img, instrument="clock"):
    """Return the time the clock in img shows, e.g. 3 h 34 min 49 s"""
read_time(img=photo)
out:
11 h 31 min 06 s
